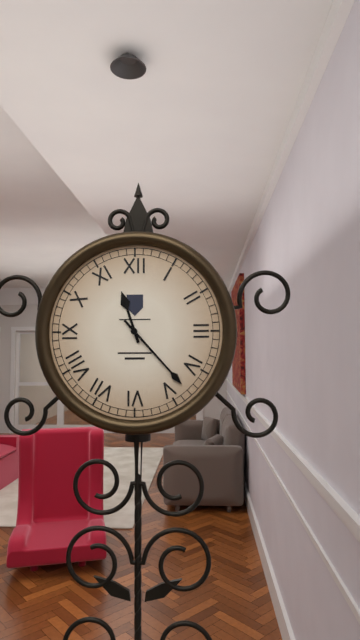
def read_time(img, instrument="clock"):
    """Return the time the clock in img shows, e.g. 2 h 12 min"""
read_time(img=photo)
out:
11 h 23 min
